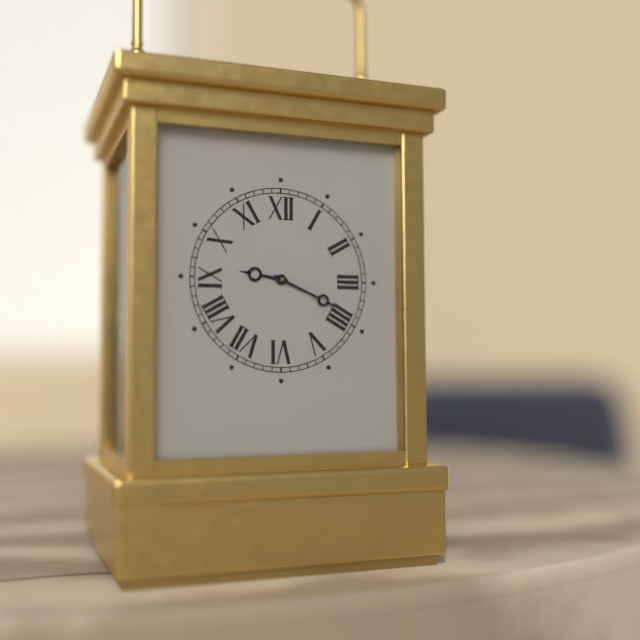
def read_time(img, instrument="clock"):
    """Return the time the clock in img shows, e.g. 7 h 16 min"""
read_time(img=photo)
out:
9 h 19 min
